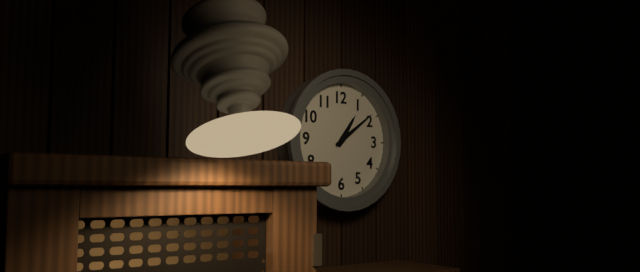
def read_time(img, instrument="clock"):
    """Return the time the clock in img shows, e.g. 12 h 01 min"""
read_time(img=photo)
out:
1 h 09 min
